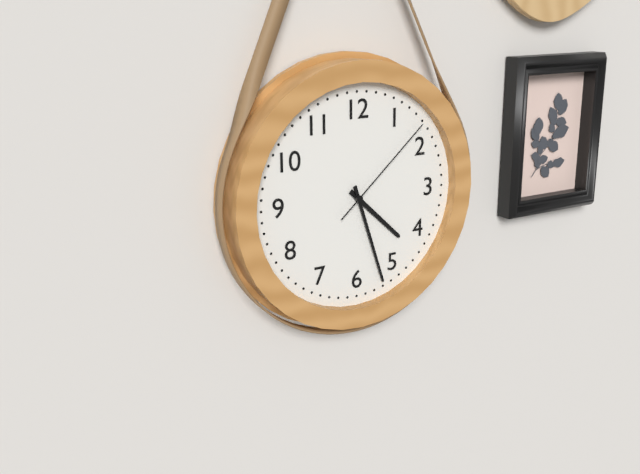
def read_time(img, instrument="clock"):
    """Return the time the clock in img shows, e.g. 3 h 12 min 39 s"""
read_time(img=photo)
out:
4 h 27 min 08 s
